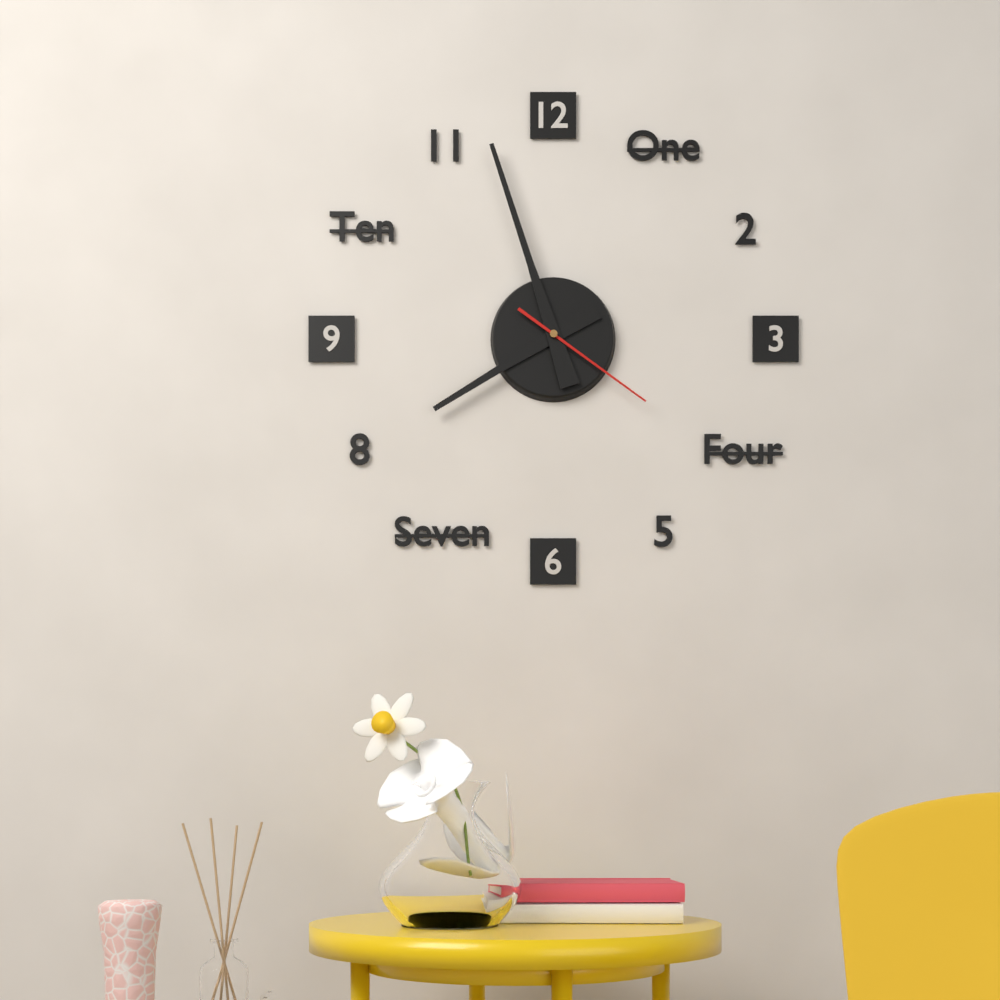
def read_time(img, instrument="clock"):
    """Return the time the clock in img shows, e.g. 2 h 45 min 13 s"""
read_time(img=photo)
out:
7 h 57 min 21 s
